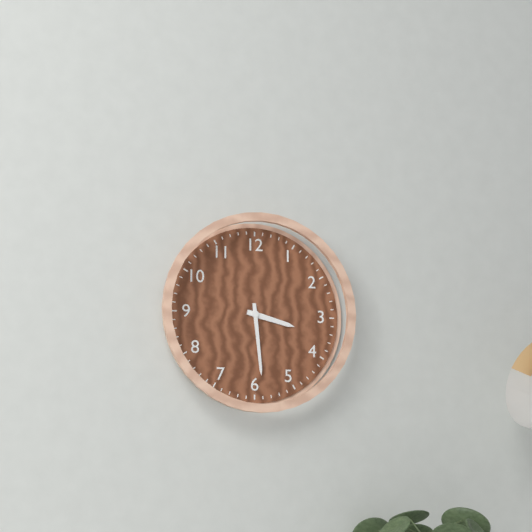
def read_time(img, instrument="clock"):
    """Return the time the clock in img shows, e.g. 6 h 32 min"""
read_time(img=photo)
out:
3 h 29 min
